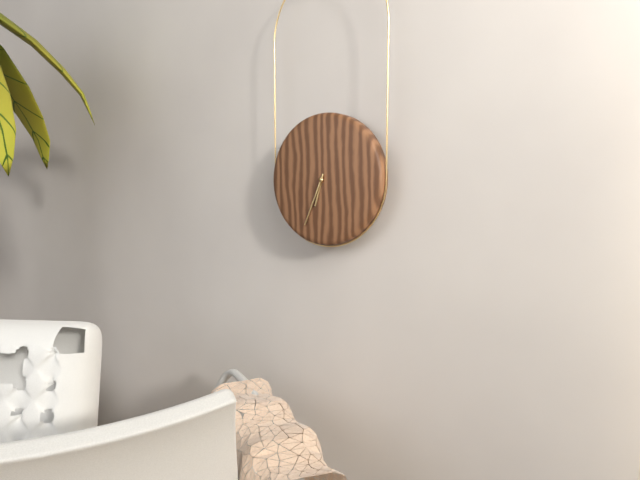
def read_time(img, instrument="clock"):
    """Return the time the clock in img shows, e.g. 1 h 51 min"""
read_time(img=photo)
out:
6 h 34 min
